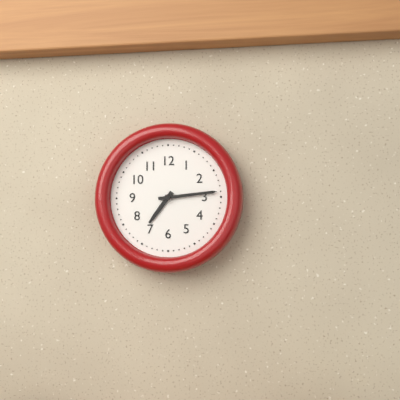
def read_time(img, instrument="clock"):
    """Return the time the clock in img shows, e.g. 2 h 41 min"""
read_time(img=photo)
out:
7 h 14 min
